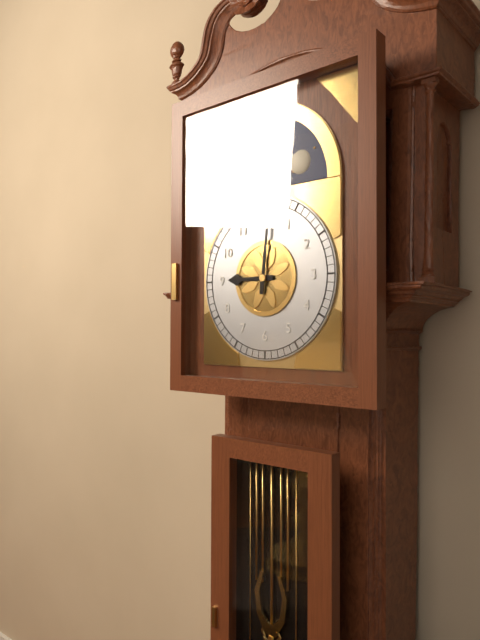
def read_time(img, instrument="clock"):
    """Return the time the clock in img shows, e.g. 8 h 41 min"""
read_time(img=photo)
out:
9 h 01 min
